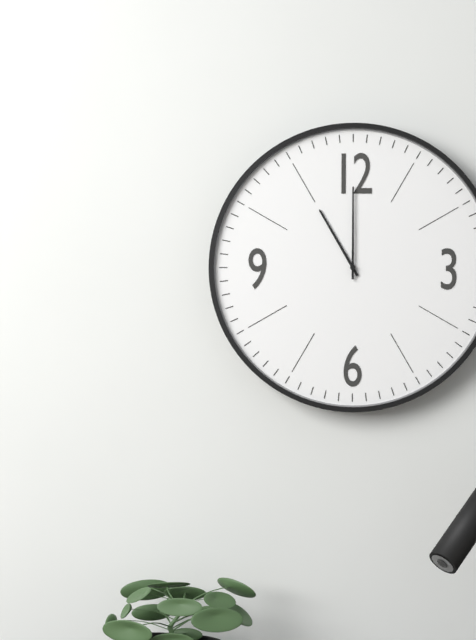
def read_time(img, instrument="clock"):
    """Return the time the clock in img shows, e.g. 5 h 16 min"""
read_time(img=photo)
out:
11 h 00 min
